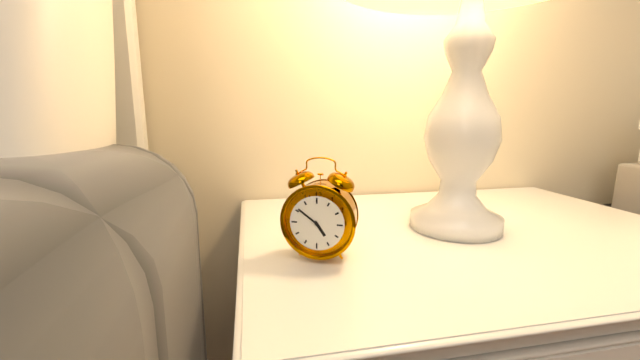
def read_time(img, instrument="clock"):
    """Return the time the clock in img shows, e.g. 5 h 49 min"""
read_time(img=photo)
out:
4 h 51 min
